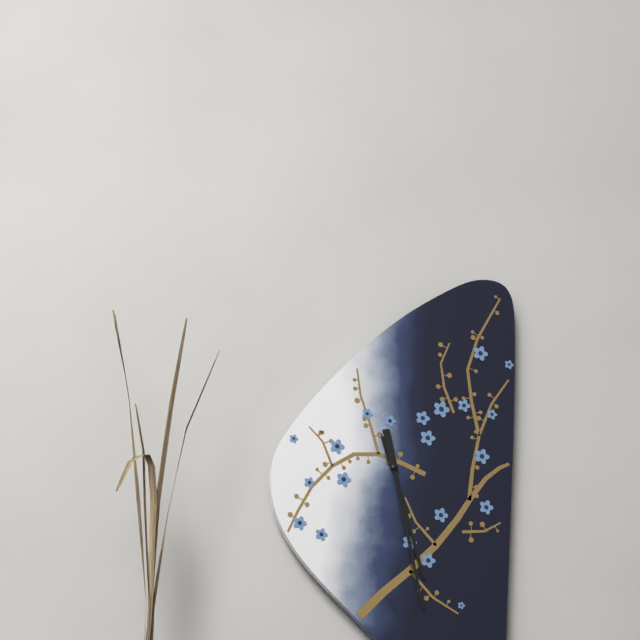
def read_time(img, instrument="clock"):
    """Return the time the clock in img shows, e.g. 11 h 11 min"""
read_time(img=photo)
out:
5 h 28 min
